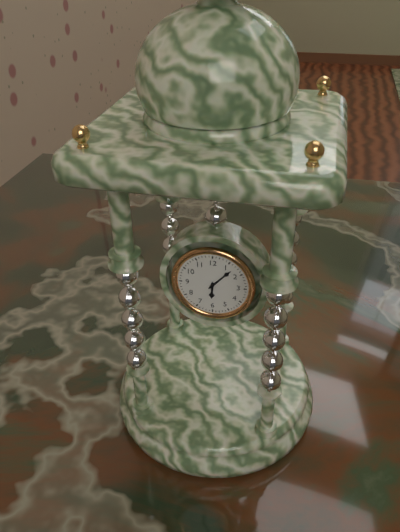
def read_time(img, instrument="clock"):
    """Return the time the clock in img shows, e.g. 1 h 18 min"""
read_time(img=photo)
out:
6 h 07 min
